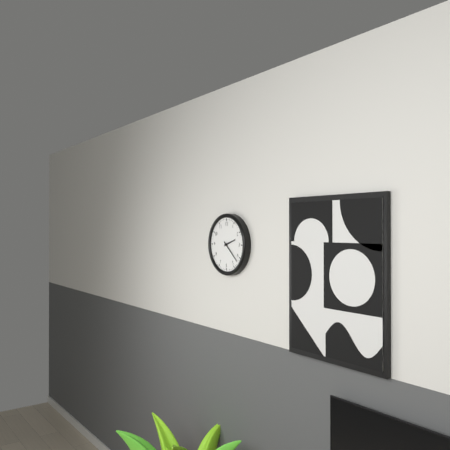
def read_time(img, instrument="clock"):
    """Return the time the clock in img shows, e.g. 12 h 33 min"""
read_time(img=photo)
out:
2 h 22 min
